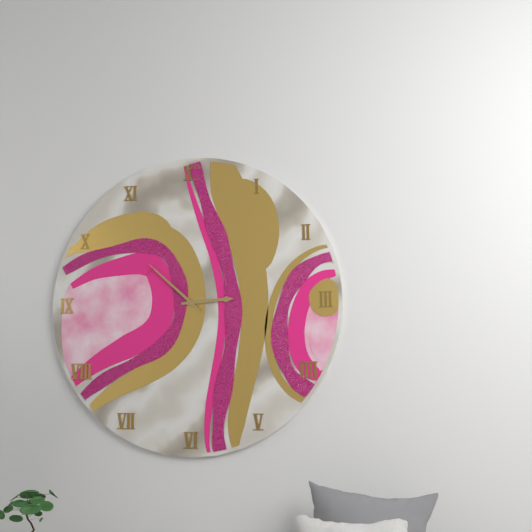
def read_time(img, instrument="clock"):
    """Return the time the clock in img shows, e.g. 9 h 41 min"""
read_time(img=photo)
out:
2 h 52 min
